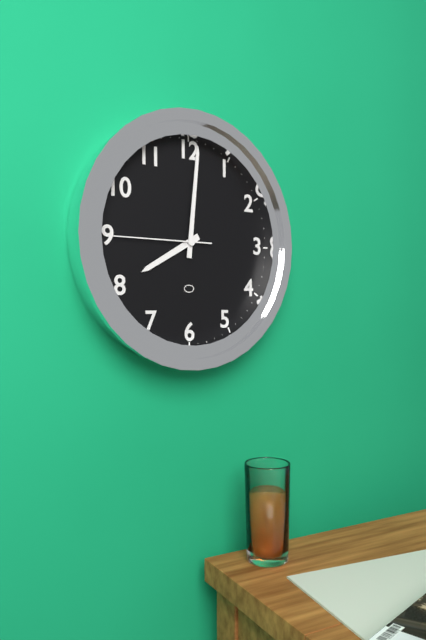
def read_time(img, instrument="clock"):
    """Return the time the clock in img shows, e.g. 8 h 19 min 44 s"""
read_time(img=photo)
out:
8 h 01 min 45 s
